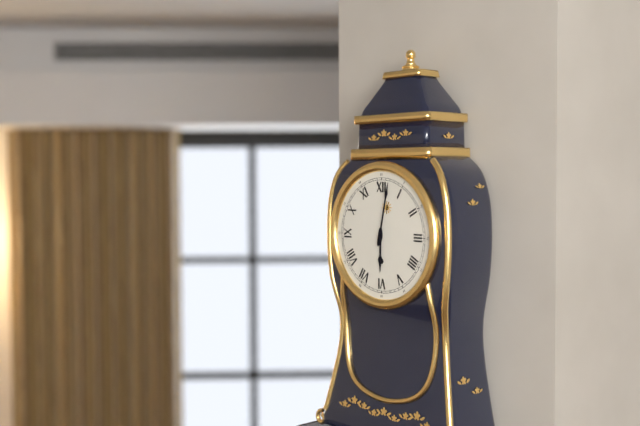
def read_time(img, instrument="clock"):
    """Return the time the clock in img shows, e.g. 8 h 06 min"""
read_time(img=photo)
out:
6 h 02 min
